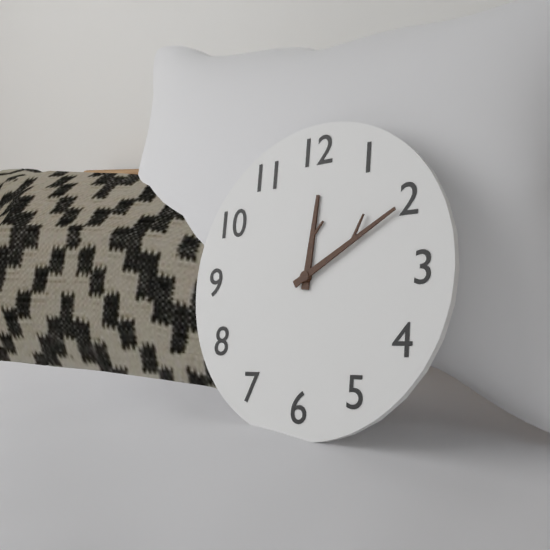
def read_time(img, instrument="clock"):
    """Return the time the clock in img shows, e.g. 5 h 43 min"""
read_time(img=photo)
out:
12 h 10 min
